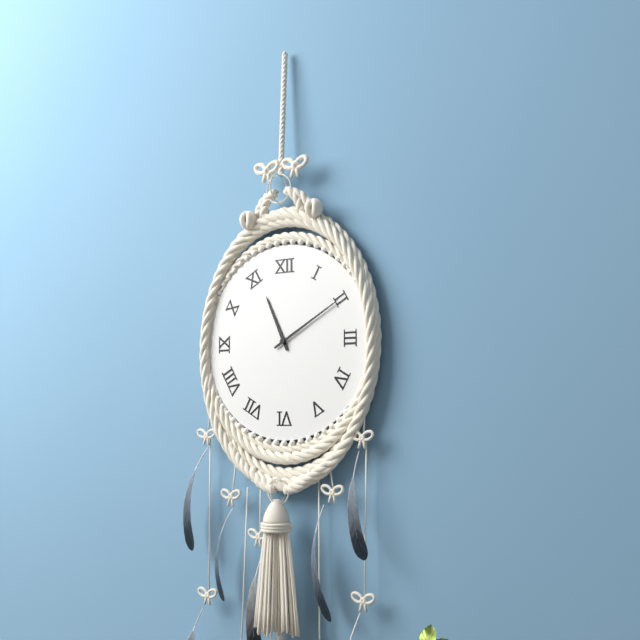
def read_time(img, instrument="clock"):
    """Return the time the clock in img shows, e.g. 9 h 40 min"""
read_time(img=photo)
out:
11 h 10 min
